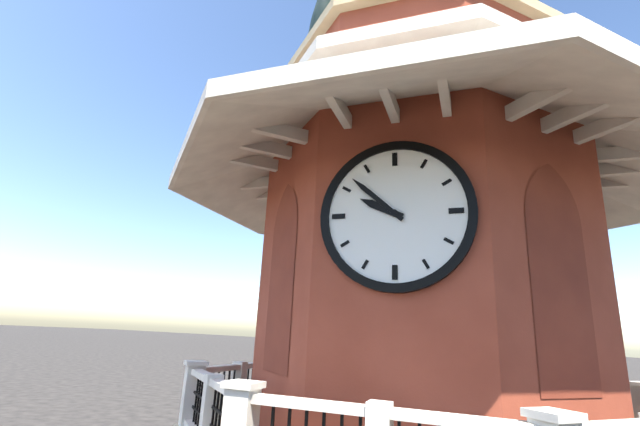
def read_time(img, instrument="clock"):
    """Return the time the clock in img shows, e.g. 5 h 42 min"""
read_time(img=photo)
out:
9 h 52 min
